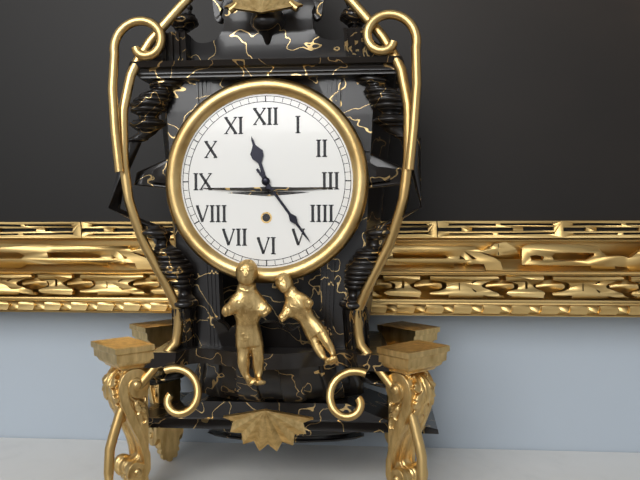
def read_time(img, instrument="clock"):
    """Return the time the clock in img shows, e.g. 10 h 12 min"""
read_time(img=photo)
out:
11 h 24 min
